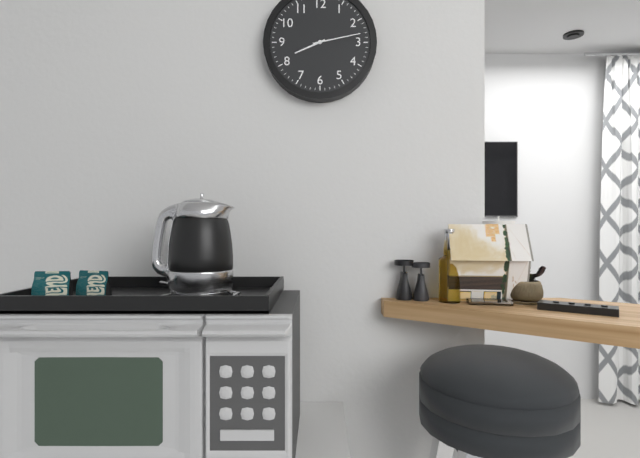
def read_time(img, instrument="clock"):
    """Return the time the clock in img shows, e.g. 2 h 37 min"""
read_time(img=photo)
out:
8 h 13 min
